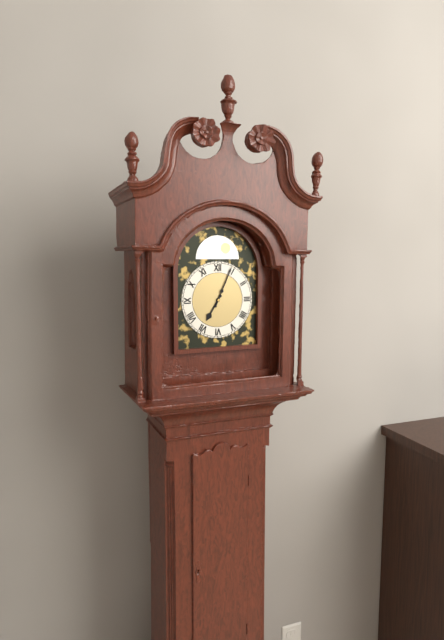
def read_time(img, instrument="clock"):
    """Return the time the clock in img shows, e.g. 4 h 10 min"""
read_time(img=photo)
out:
7 h 04 min
